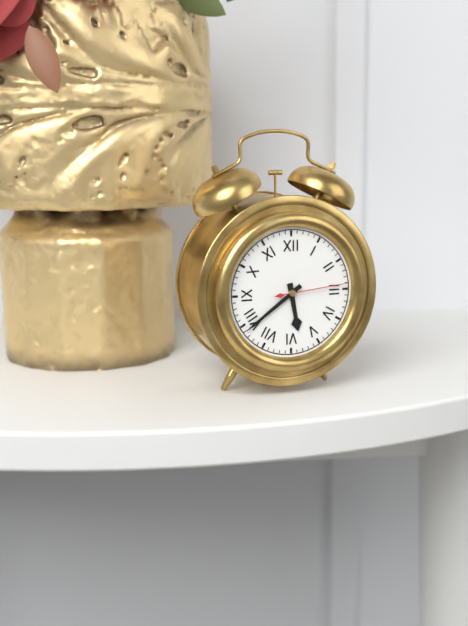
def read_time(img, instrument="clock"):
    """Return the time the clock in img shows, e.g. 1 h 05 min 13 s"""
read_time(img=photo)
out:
5 h 39 min 14 s
